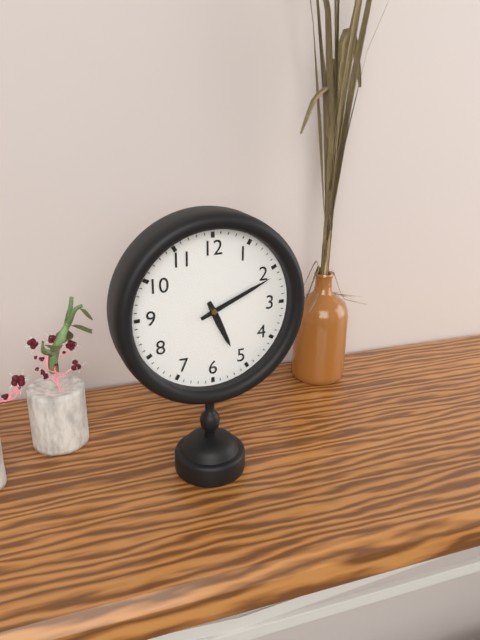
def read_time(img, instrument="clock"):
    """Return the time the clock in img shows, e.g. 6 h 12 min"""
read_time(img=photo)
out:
5 h 11 min
